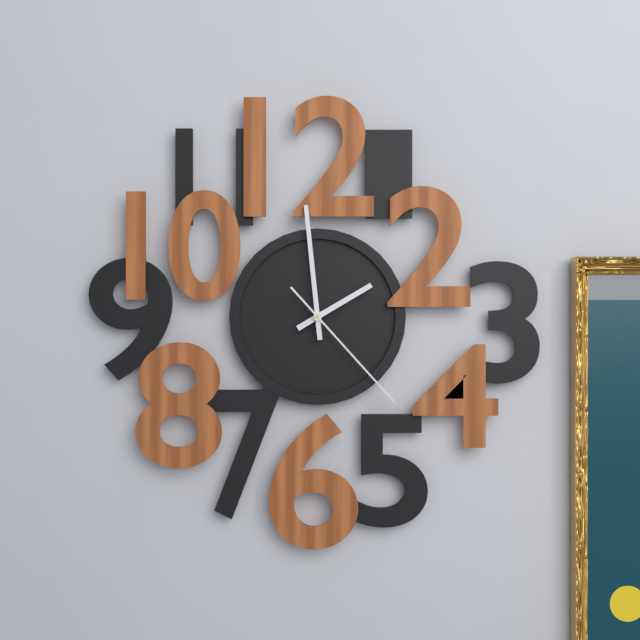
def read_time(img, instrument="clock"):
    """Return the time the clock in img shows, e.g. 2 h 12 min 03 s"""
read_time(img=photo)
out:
1 h 59 min 23 s
